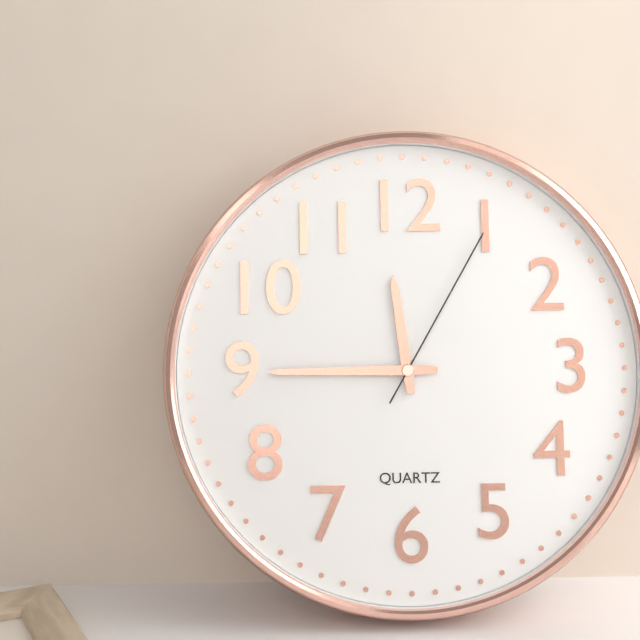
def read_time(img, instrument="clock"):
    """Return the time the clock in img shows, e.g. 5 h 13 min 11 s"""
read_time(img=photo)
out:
11 h 45 min 05 s
